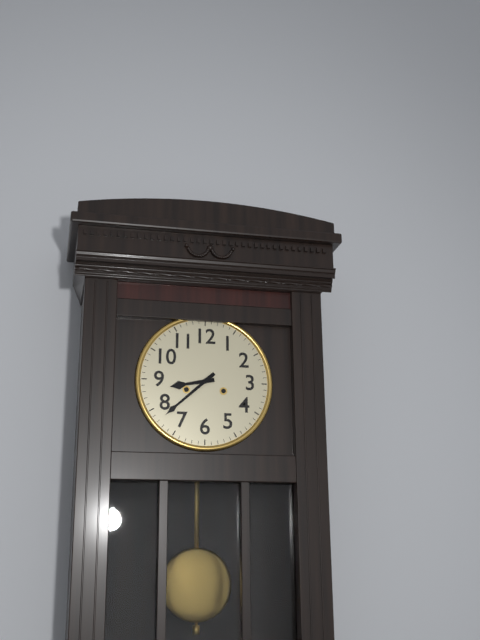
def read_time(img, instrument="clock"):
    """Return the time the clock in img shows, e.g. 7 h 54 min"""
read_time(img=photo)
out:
8 h 38 min
